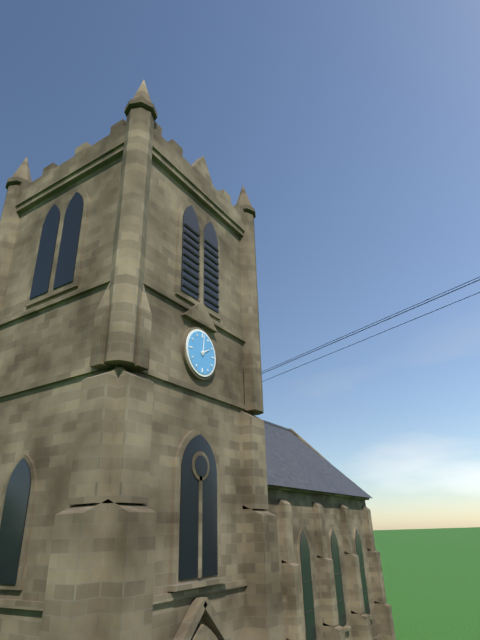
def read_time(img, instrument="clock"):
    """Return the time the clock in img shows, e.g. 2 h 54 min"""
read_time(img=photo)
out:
2 h 01 min
